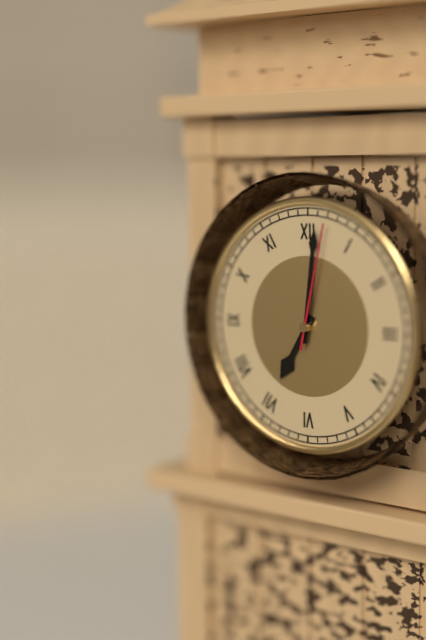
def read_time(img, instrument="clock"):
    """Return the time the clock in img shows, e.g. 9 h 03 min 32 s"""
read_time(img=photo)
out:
7 h 01 min 02 s
